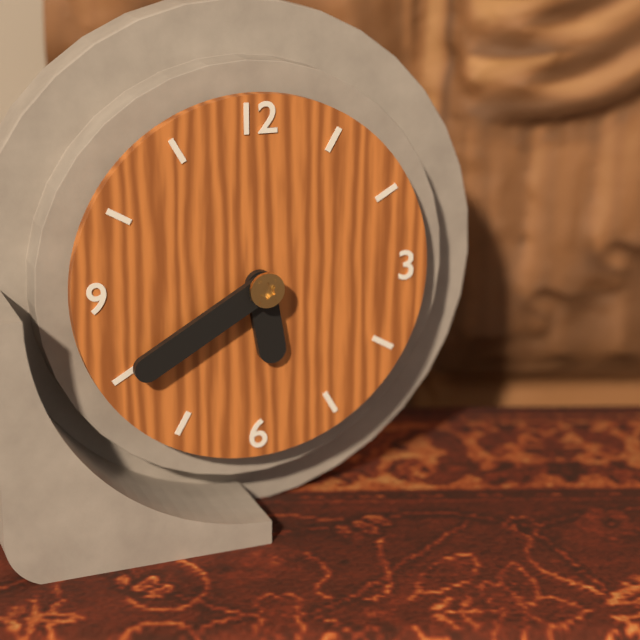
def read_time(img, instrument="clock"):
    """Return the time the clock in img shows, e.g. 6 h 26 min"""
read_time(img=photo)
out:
5 h 40 min
